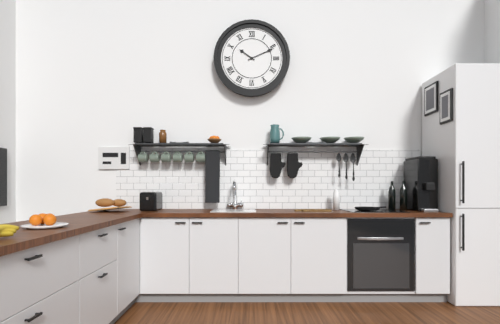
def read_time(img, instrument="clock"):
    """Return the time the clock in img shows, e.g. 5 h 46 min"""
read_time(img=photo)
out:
10 h 11 min
